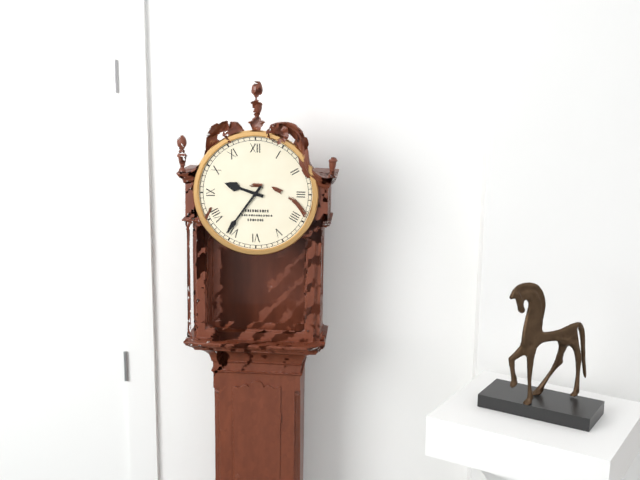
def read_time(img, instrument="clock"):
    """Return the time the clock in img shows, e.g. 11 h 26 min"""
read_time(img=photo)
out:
9 h 36 min
